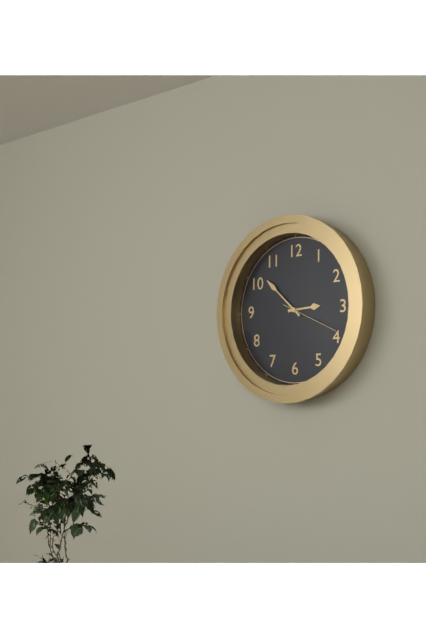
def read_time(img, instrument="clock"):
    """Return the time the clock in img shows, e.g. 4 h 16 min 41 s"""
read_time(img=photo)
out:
2 h 52 min 19 s
